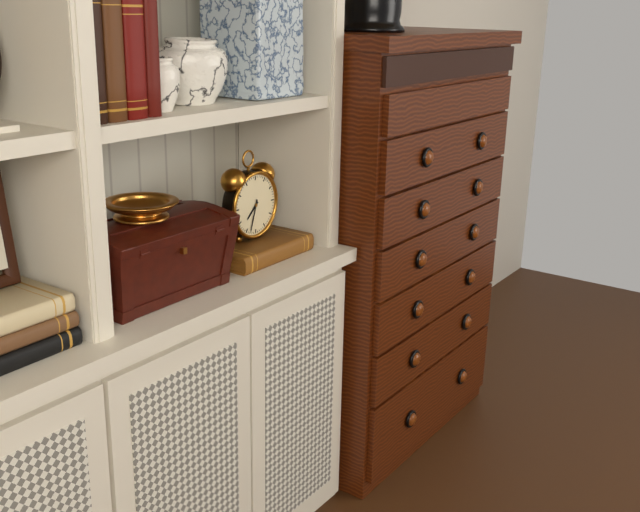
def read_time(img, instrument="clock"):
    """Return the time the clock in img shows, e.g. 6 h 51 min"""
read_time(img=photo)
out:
7 h 33 min
